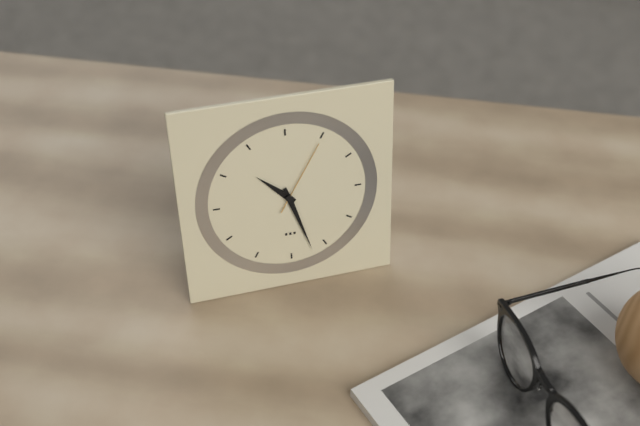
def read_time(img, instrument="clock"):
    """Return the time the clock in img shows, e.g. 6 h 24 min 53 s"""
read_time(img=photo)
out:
10 h 27 min 05 s
